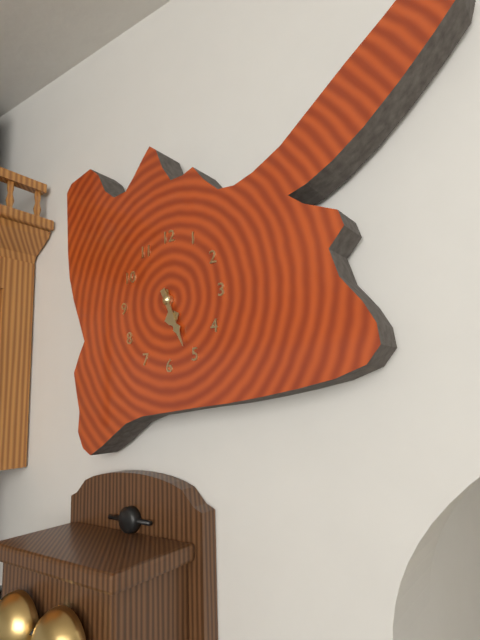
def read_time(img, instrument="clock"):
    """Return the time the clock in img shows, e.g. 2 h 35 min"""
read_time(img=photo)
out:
5 h 26 min
